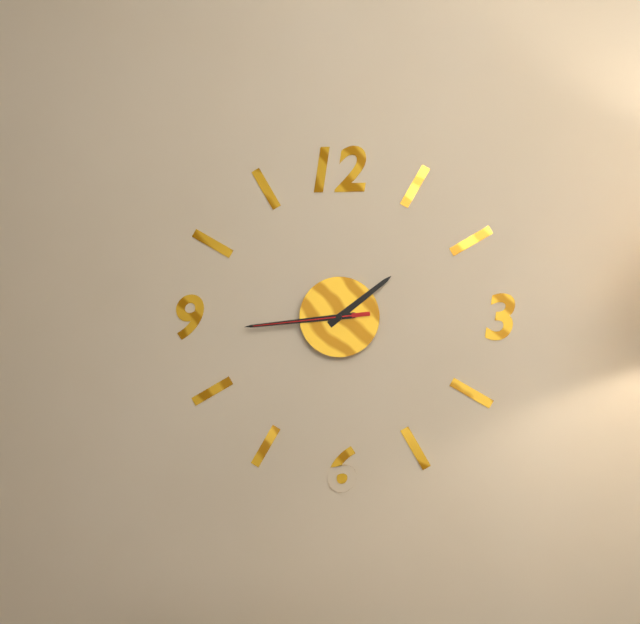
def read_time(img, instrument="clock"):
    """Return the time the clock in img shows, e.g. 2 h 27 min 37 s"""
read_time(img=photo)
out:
1 h 44 min 44 s
